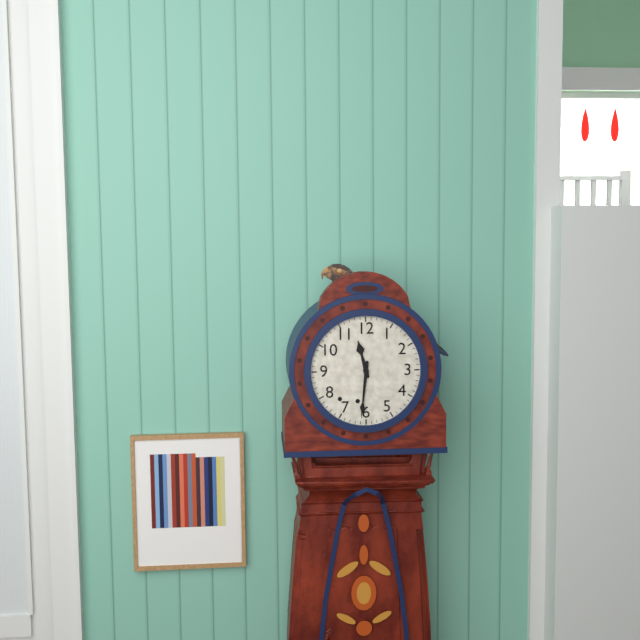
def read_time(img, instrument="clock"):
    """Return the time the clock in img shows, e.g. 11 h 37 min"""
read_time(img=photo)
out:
11 h 31 min
